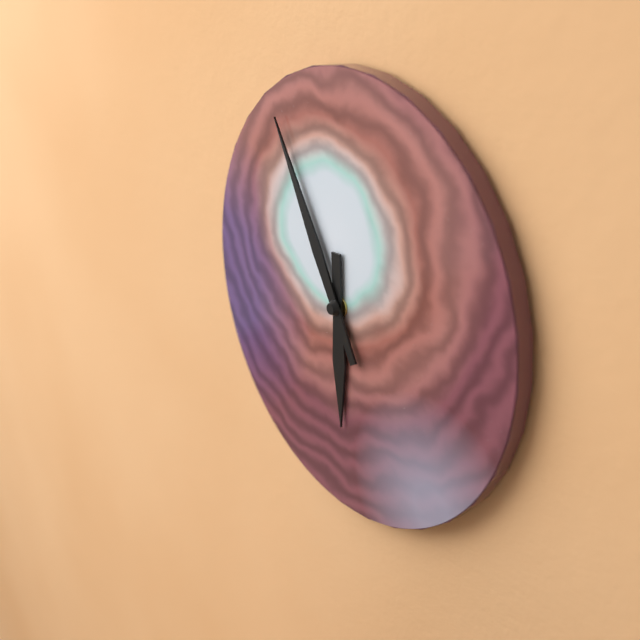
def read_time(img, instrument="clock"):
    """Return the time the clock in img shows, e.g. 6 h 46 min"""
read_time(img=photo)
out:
5 h 55 min
